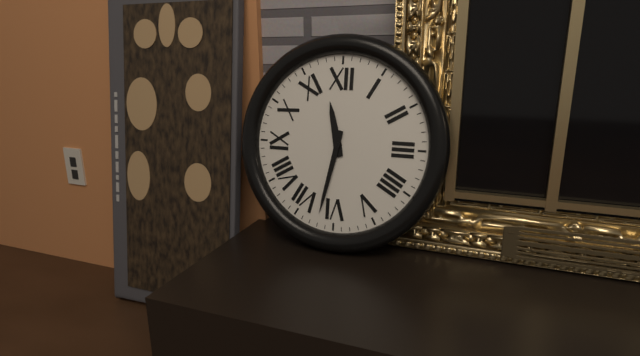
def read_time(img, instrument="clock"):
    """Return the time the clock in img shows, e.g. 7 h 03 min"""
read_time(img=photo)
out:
11 h 32 min
